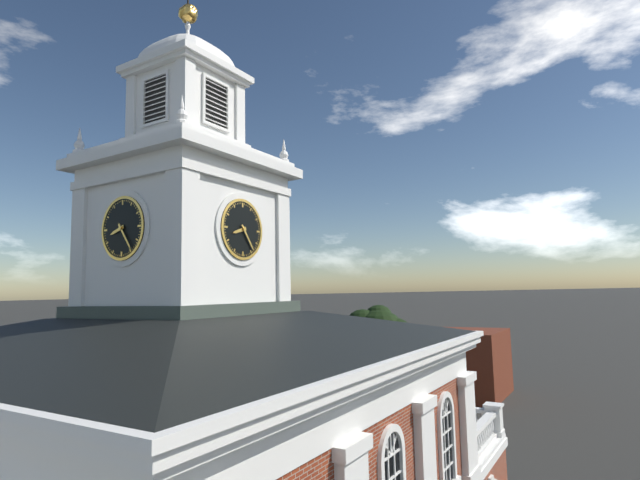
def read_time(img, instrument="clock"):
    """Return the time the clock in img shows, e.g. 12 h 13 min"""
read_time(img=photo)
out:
8 h 24 min
